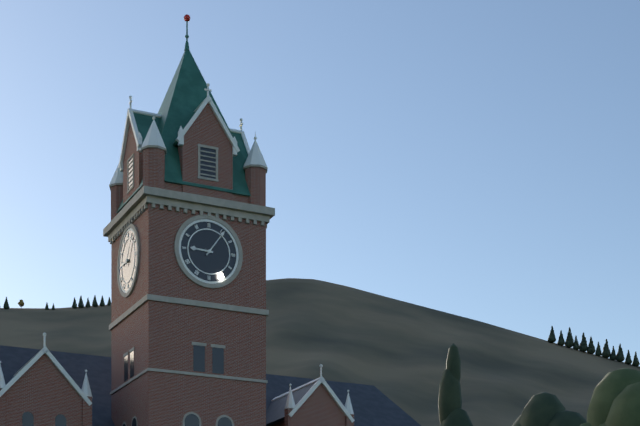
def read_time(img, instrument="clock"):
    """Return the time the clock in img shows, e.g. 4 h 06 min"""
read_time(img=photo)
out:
9 h 06 min
